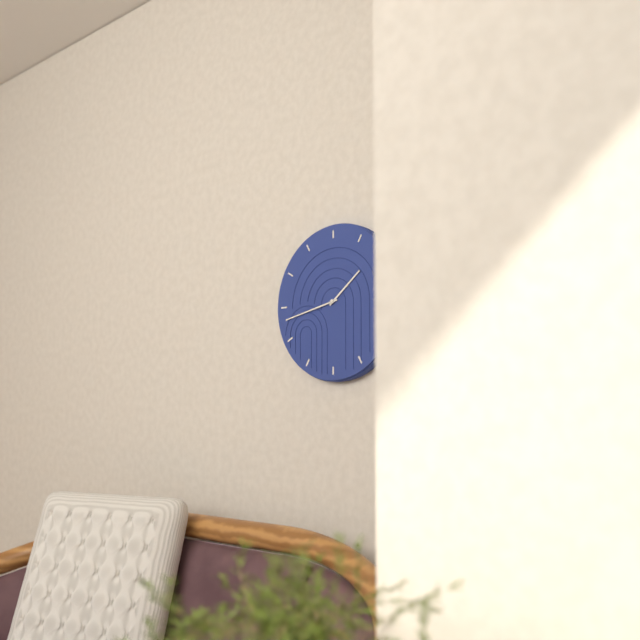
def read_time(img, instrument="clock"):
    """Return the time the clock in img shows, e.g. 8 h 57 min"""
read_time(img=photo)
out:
1 h 43 min
